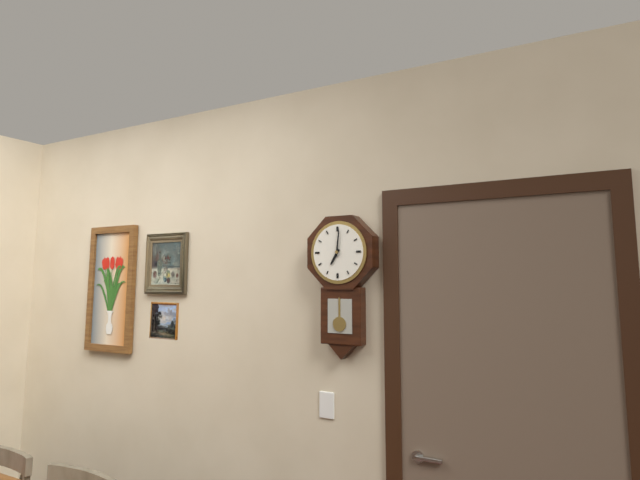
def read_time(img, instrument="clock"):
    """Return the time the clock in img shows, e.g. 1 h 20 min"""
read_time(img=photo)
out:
7 h 01 min
